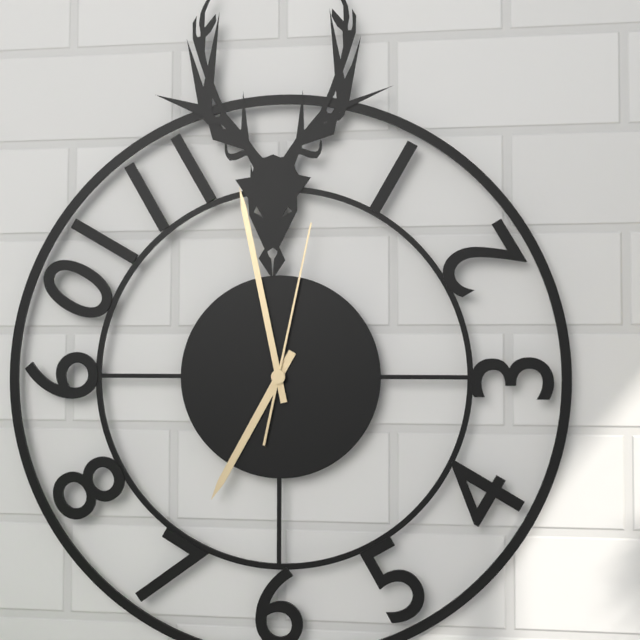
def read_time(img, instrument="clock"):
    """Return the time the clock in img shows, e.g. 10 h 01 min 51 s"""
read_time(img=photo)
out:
6 h 58 min 02 s
